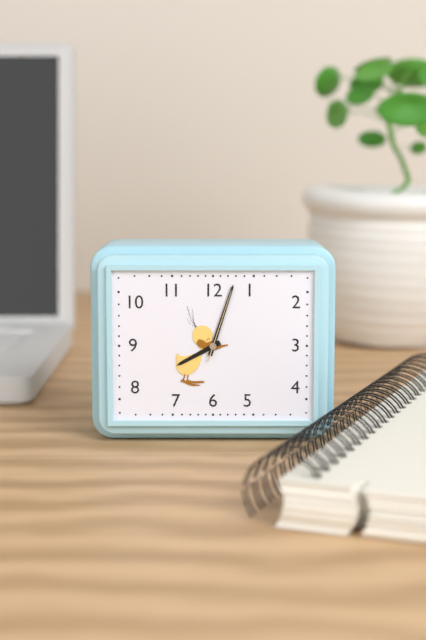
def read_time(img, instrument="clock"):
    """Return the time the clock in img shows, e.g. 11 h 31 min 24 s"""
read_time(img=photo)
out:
8 h 03 min 03 s
